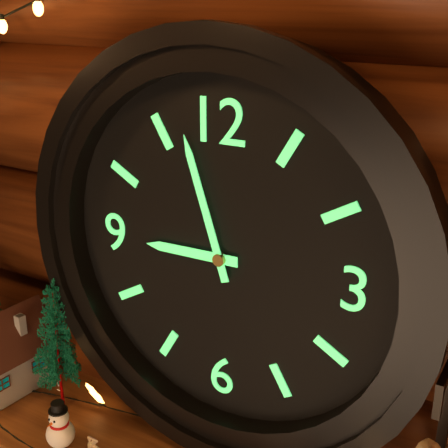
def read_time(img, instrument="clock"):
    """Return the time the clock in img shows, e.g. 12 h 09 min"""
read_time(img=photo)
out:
8 h 57 min
